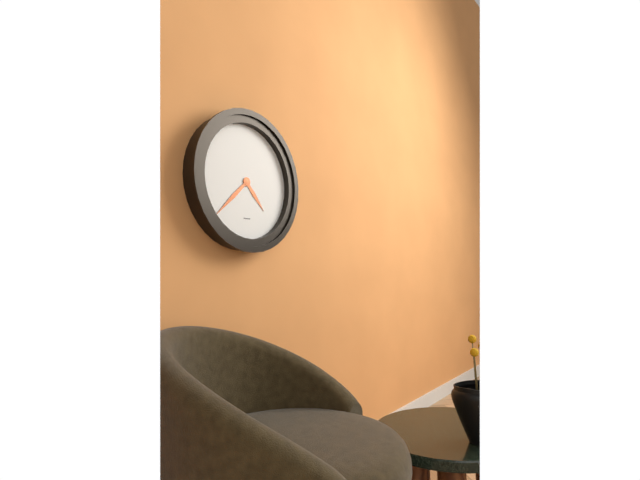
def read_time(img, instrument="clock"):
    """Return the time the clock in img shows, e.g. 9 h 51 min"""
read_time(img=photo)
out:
4 h 38 min
